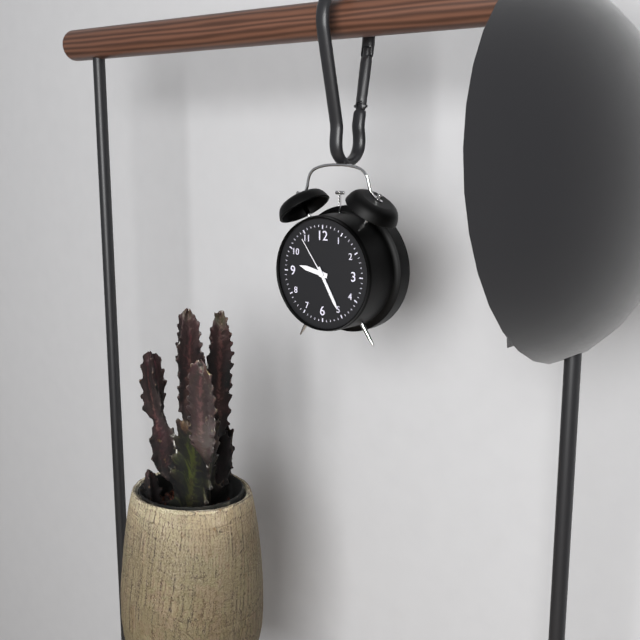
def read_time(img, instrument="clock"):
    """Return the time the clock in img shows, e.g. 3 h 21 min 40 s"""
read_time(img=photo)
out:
9 h 25 min 54 s
